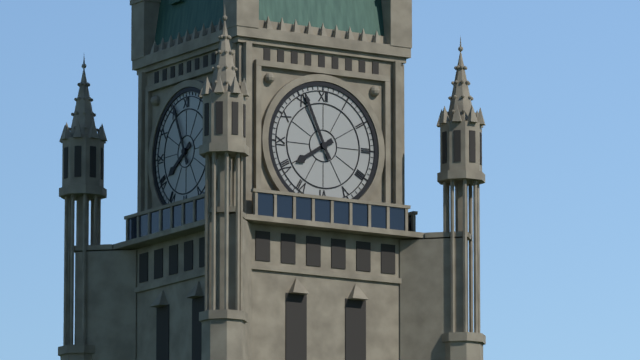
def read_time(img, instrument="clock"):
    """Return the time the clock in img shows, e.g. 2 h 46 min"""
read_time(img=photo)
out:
7 h 56 min
